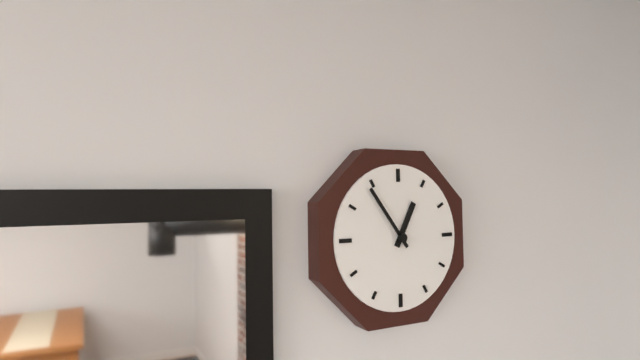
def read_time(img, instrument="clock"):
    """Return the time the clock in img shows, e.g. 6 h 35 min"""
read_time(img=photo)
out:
12 h 54 min
